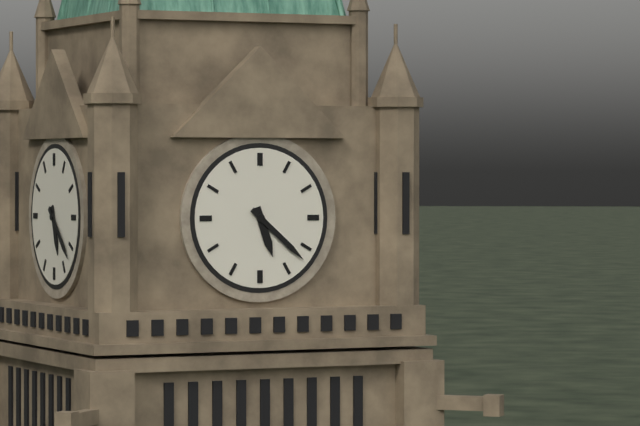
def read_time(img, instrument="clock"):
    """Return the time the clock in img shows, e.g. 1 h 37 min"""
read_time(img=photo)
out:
5 h 22 min
